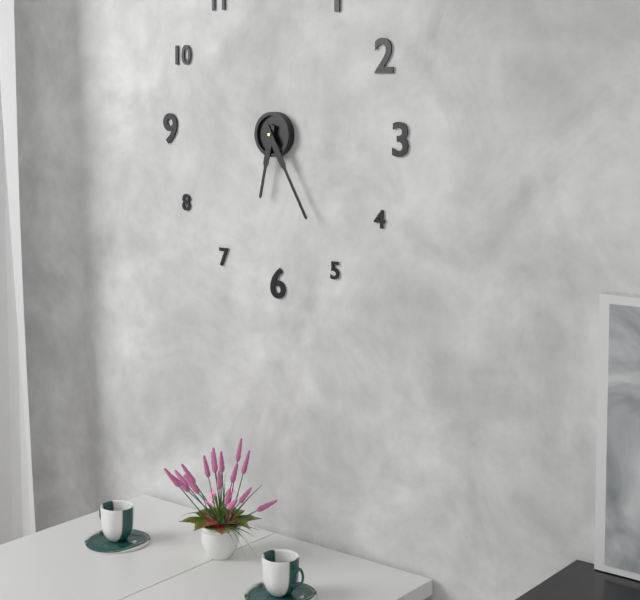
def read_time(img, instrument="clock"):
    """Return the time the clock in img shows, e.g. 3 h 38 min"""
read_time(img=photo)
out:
6 h 25 min
